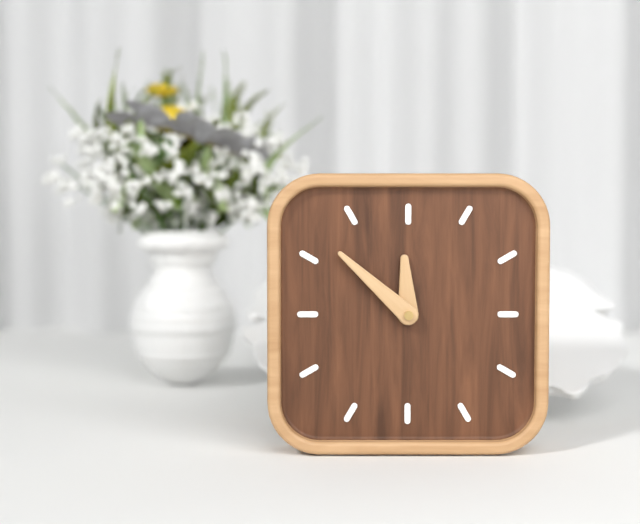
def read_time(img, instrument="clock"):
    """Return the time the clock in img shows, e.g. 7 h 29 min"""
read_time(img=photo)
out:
11 h 52 min
